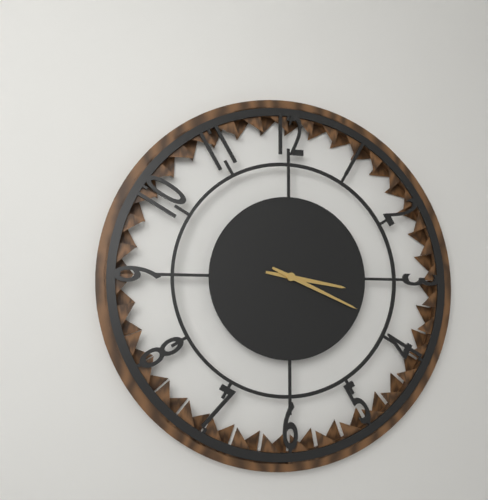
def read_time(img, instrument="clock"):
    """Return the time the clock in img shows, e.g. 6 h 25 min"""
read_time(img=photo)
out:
3 h 19 min
